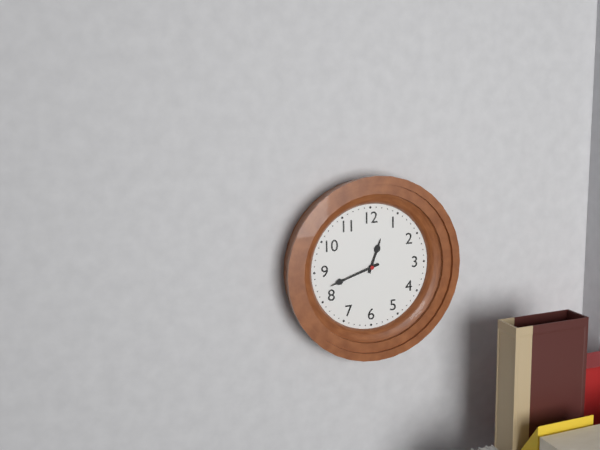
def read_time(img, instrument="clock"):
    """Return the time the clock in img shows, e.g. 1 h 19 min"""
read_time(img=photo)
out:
12 h 42 min
